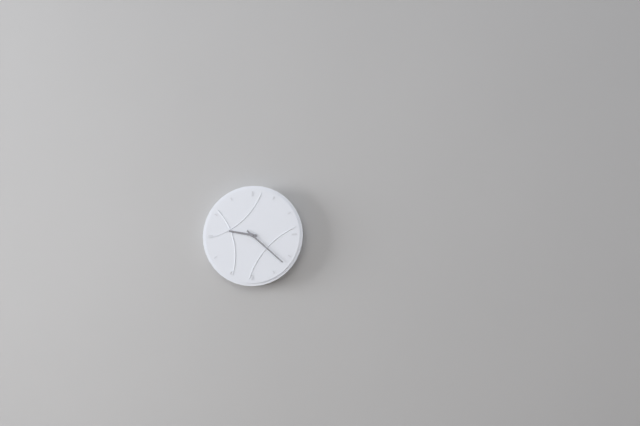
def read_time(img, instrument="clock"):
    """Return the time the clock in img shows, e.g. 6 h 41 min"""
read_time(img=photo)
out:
9 h 22 min
